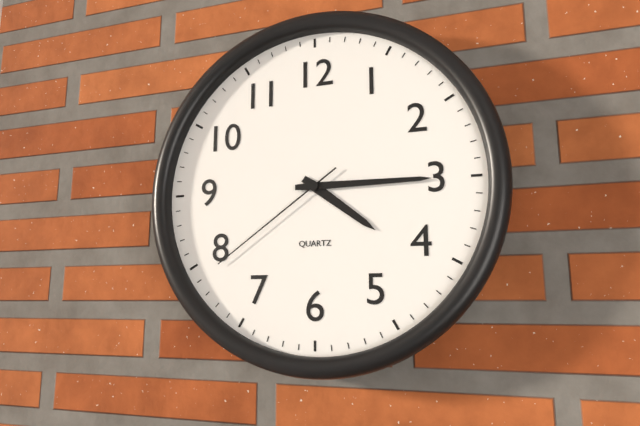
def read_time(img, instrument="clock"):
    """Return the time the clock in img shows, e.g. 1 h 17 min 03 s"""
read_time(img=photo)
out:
4 h 15 min 39 s
